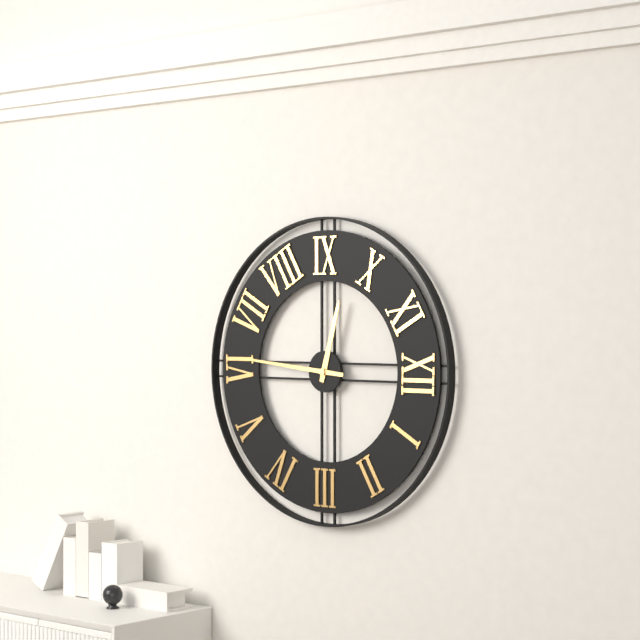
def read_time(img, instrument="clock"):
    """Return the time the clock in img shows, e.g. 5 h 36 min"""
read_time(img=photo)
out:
9 h 31 min
